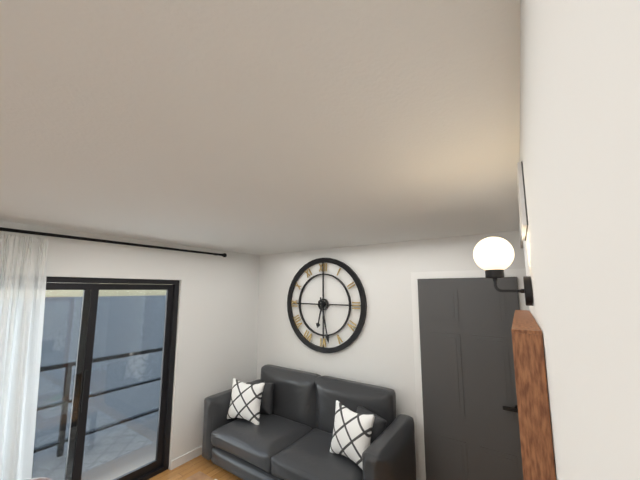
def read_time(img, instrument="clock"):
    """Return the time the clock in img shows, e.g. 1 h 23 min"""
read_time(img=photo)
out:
6 h 28 min
